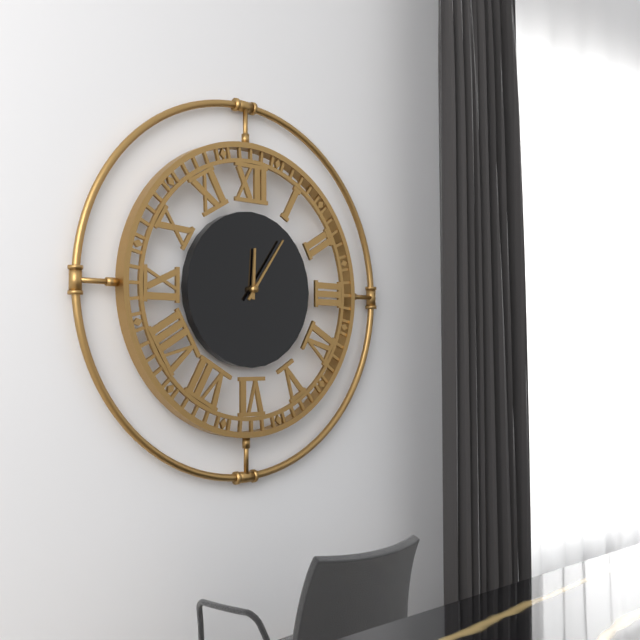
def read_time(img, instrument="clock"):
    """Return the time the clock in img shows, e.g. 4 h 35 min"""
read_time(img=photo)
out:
12 h 06 min
